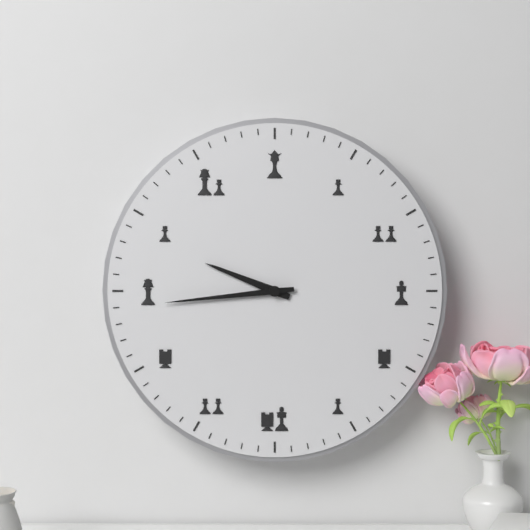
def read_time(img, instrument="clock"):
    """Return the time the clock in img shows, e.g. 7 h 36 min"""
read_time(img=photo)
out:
9 h 44 min
